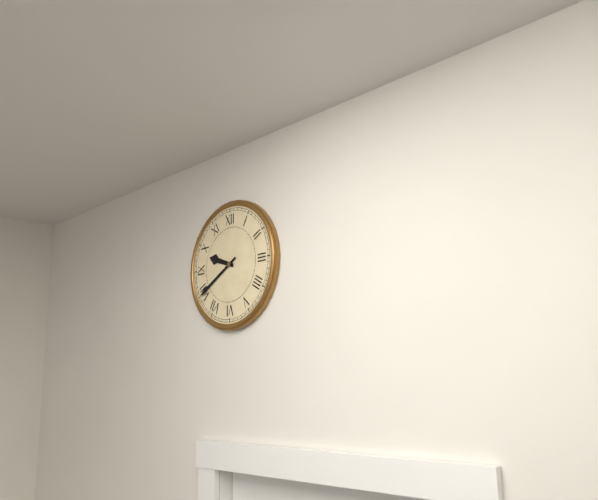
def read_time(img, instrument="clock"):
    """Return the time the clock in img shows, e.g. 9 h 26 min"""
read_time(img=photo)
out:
9 h 40 min
